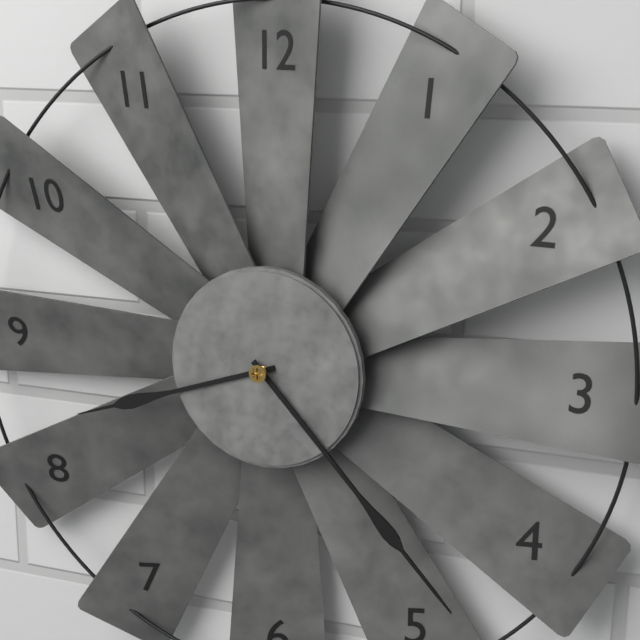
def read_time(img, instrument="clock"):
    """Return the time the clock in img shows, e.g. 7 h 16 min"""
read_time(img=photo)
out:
8 h 23 min
